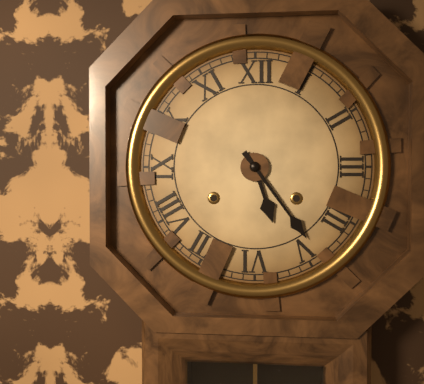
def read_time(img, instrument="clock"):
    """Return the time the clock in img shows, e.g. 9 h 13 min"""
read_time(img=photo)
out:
5 h 24 min
